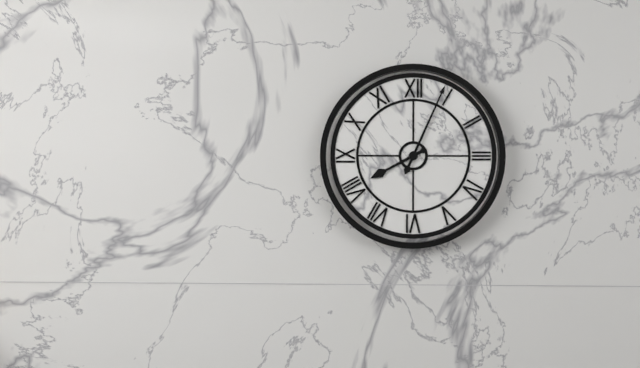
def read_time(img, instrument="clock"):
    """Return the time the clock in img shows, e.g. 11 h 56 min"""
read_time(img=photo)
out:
8 h 04 min
